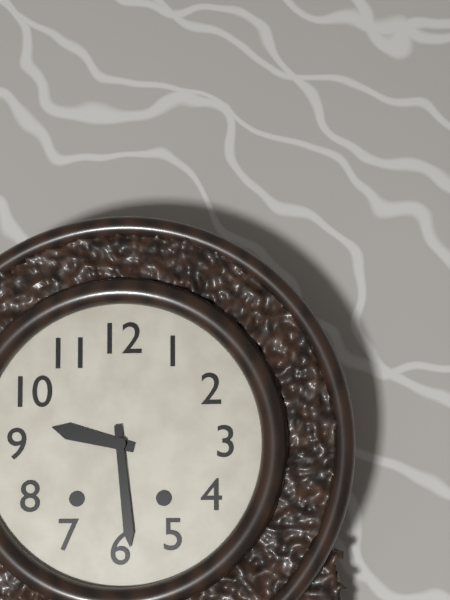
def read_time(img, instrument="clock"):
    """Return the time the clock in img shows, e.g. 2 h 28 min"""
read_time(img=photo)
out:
9 h 29 min
